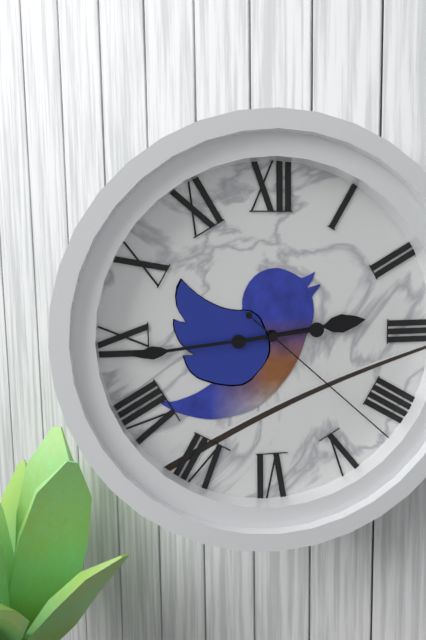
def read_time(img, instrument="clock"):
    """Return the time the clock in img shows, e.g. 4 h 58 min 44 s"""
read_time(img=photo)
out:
2 h 44 min 22 s
